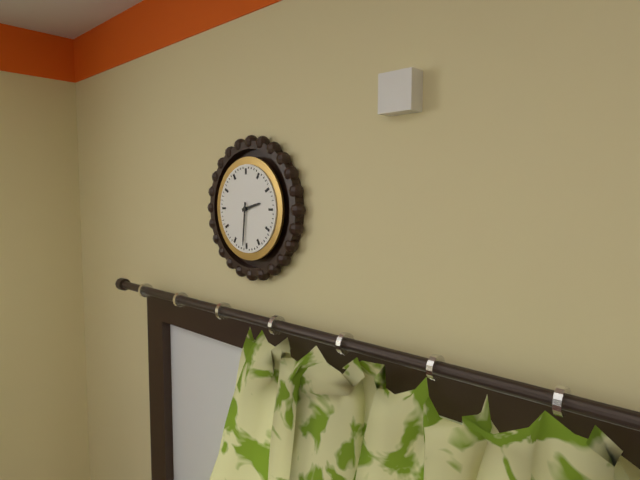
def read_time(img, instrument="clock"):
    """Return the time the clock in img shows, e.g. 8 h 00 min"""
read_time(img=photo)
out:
2 h 31 min
